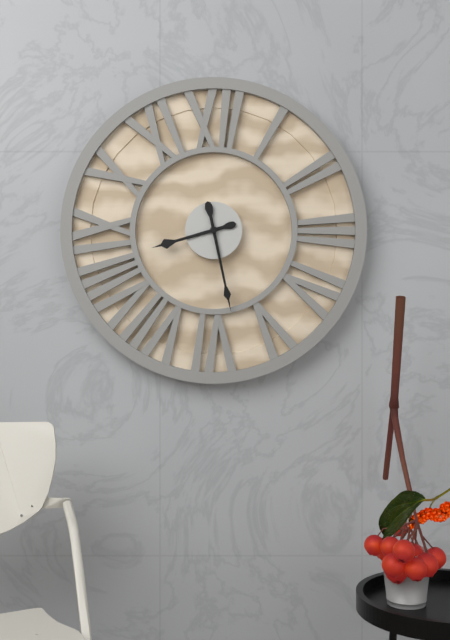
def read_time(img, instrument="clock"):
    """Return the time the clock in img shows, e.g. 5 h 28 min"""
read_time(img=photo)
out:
8 h 28 min
